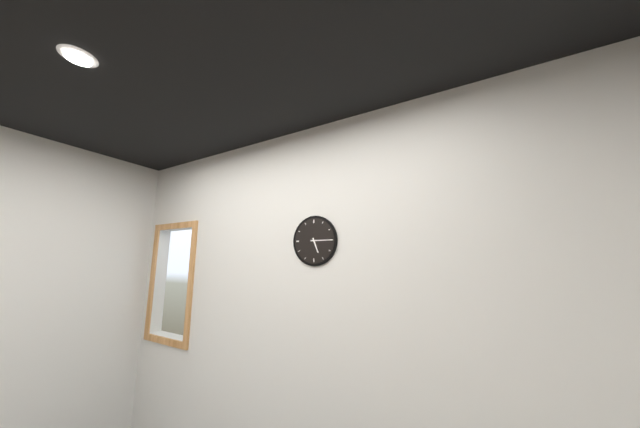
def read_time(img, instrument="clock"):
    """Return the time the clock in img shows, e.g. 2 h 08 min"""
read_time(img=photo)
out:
5 h 15 min
